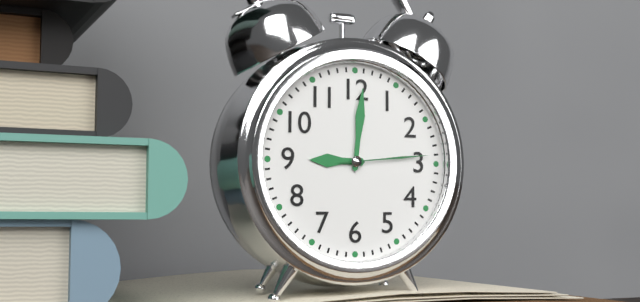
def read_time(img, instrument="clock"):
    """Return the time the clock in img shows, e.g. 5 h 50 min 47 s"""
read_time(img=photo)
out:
9 h 01 min 14 s
